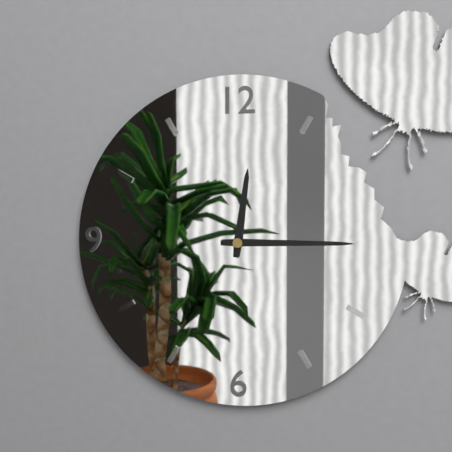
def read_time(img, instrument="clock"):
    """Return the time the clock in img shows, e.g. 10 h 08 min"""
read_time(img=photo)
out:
12 h 15 min
